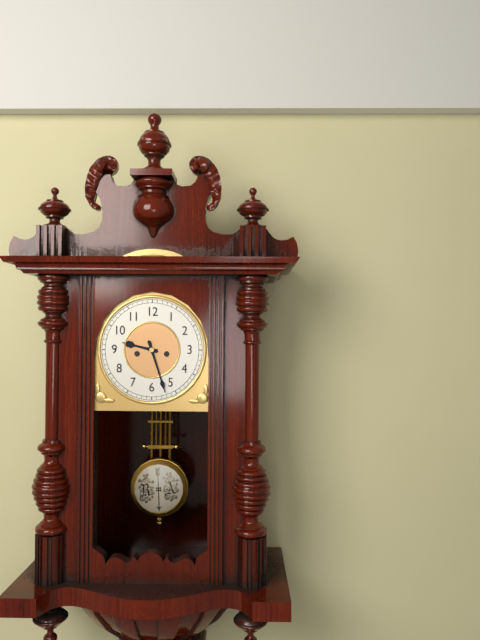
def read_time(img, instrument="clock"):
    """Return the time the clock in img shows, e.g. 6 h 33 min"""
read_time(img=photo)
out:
9 h 27 min
